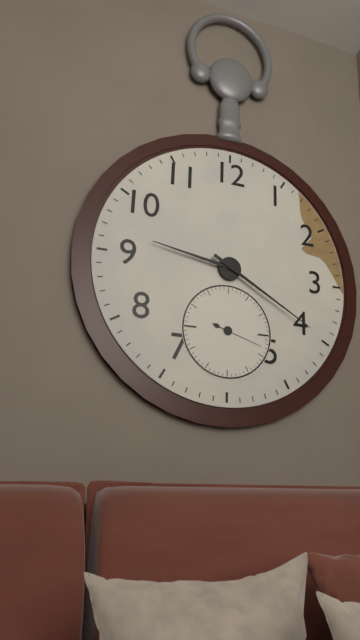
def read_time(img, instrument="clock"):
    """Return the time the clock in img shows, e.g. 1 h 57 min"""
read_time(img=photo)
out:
9 h 20 min
